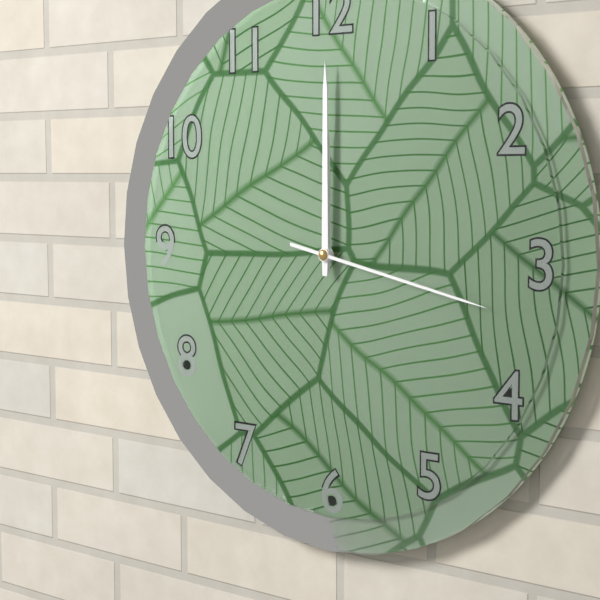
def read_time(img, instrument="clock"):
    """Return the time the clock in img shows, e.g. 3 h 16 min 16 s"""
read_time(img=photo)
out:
12 h 00 min 17 s
